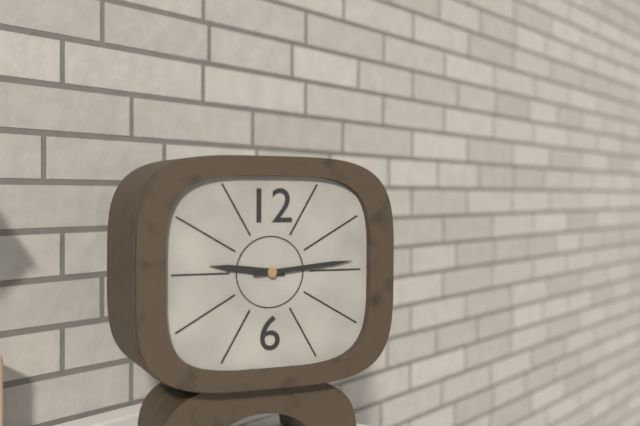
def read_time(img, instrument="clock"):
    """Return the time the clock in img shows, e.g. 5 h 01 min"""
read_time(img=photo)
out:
9 h 14 min
